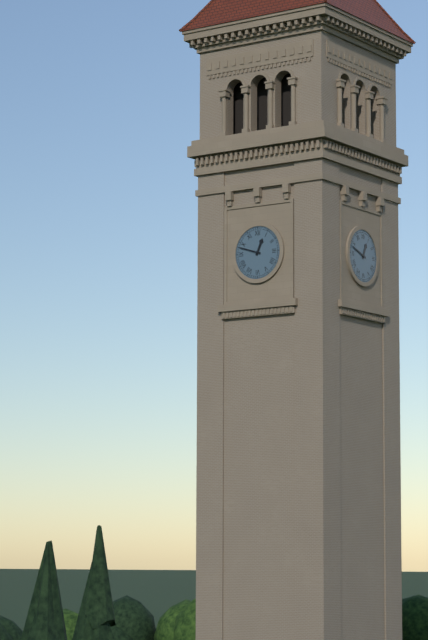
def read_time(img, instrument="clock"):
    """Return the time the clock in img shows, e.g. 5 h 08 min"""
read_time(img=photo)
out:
12 h 48 min
